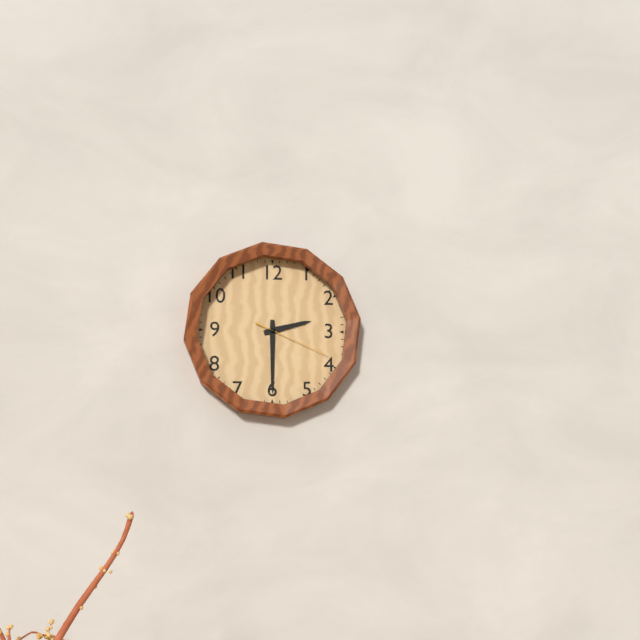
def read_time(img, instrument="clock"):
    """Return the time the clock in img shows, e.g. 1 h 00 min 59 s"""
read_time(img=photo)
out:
2 h 30 min 19 s
